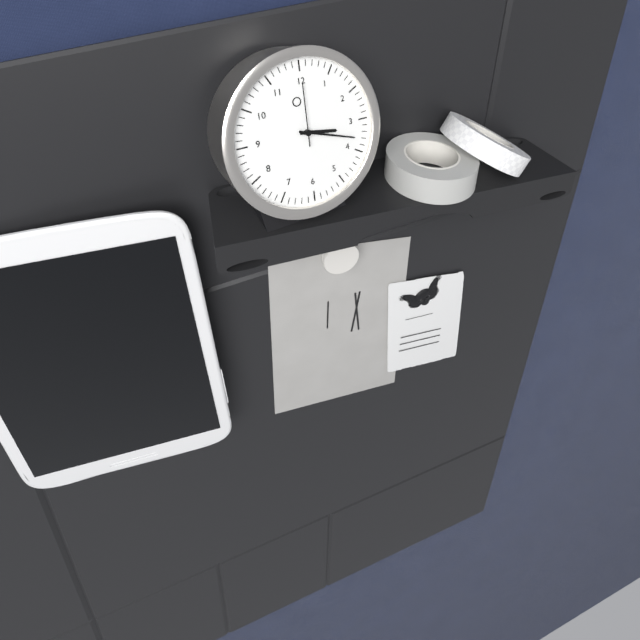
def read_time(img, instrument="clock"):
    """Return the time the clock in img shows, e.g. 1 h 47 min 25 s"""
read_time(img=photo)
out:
3 h 18 min 00 s
